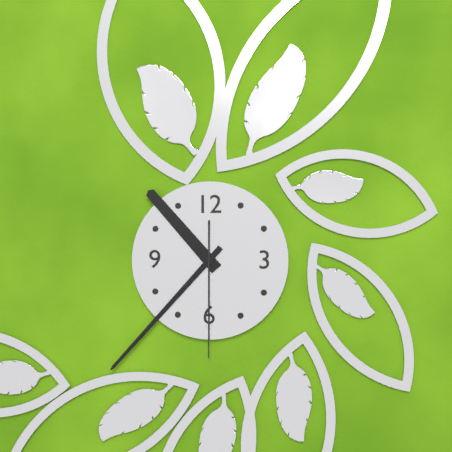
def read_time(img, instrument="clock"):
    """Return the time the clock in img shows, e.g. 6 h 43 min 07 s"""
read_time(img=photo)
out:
10 h 37 min 30 s
